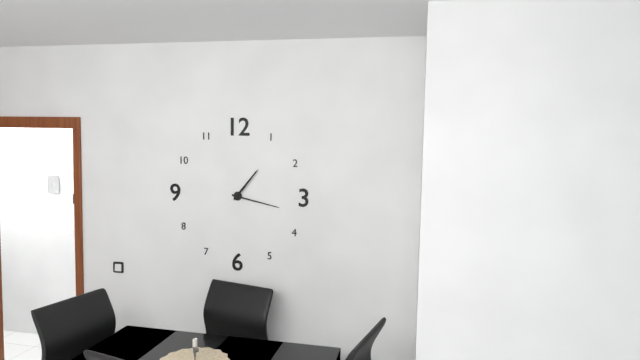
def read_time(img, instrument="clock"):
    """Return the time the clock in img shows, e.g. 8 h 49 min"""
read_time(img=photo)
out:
1 h 17 min
